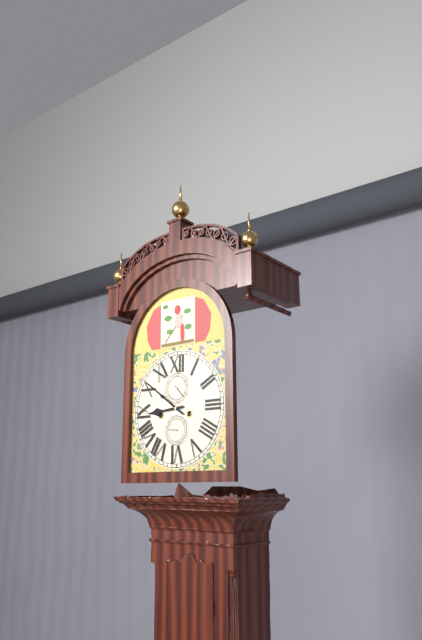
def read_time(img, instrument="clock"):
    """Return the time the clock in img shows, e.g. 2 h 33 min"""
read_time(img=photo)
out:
8 h 51 min
